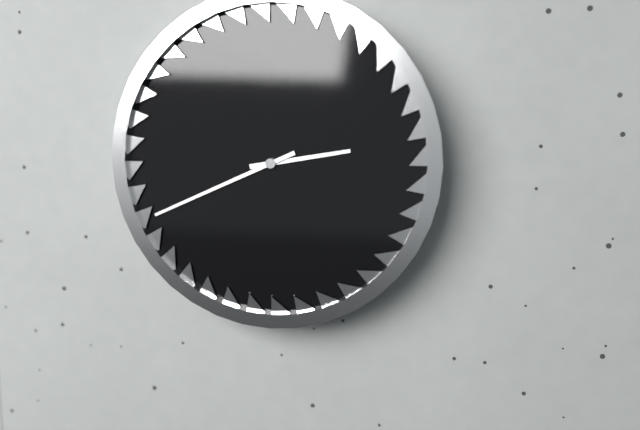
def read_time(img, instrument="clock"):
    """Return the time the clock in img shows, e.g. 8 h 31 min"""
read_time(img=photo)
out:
2 h 41 min
